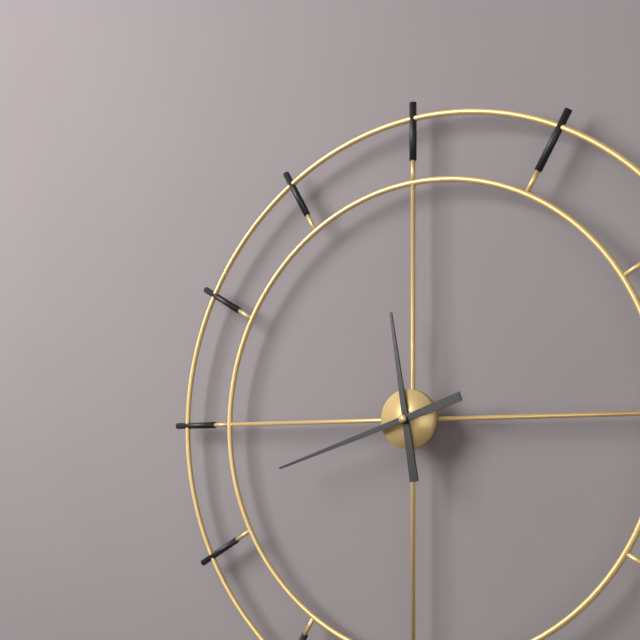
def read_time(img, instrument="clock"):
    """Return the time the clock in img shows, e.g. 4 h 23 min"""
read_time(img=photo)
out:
11 h 42 min
